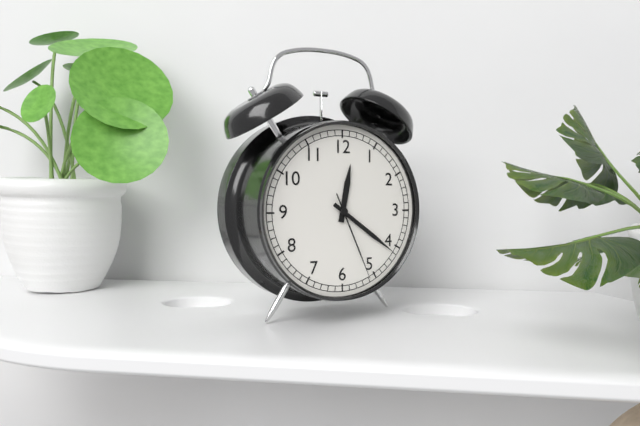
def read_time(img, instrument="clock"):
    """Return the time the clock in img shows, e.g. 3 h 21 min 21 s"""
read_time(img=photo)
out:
12 h 21 min 26 s
